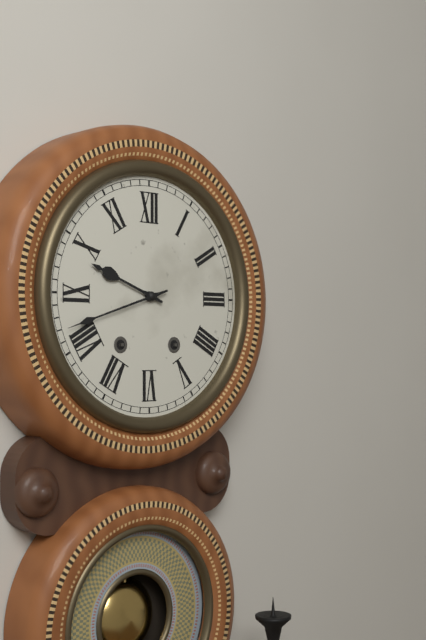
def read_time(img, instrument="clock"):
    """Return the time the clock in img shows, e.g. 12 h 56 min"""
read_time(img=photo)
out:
9 h 42 min
